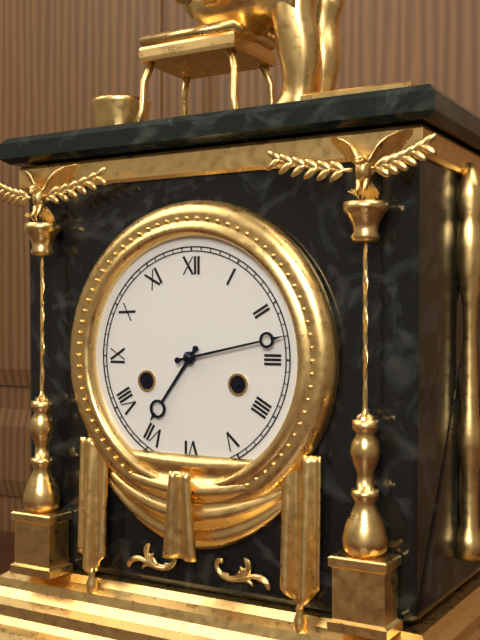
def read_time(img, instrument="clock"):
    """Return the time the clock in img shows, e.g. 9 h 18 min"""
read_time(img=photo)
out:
7 h 13 min
